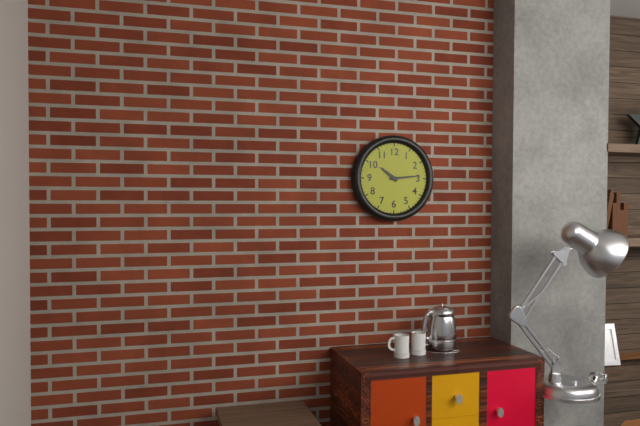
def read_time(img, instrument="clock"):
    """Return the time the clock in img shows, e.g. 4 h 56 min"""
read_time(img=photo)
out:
10 h 14 min
